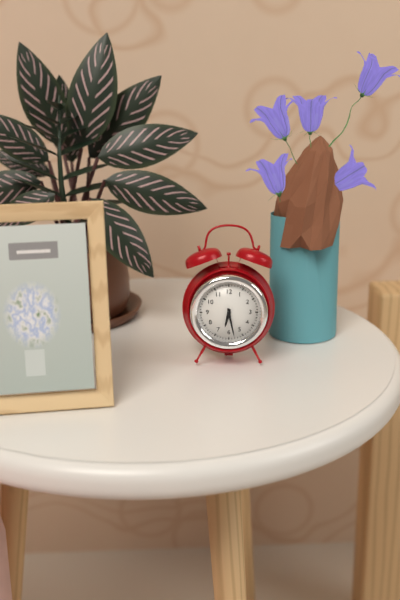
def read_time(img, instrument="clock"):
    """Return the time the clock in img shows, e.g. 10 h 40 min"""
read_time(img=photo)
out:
6 h 28 min
